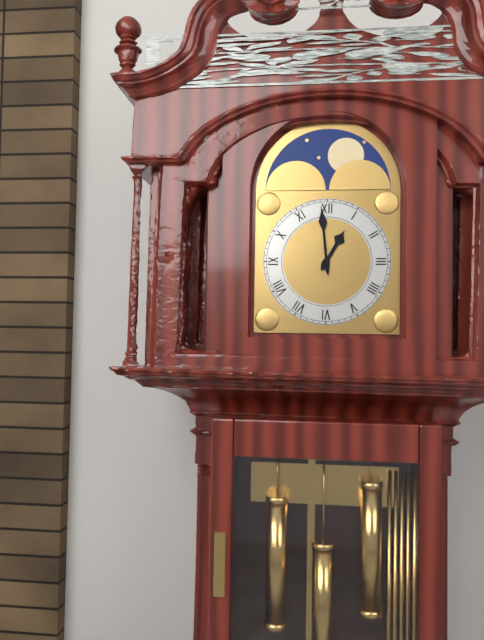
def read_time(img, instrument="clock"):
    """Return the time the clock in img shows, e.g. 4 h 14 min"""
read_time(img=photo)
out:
12 h 59 min
